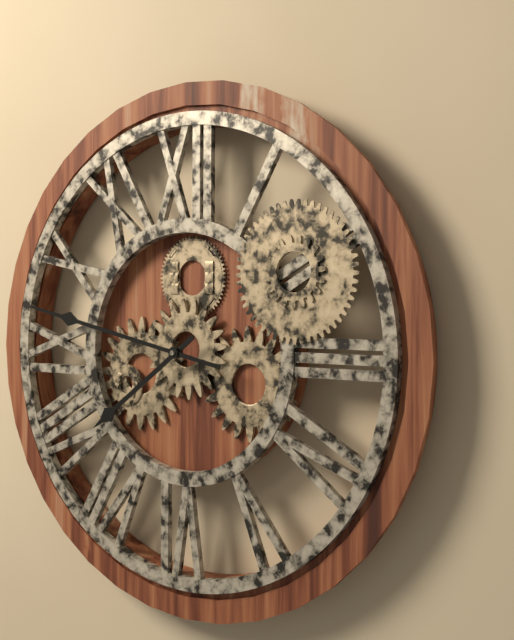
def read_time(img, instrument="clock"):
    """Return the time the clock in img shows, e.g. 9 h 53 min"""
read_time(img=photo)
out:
7 h 47 min
